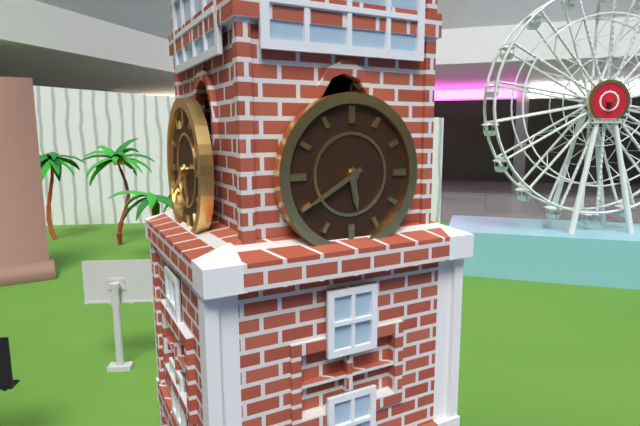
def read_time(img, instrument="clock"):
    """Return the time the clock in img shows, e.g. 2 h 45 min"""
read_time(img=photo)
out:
5 h 40 min
